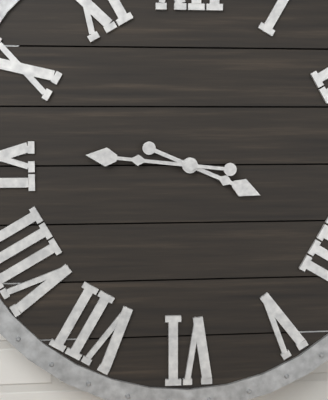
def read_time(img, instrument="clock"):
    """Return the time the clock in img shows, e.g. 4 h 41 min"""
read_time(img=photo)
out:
3 h 46 min
